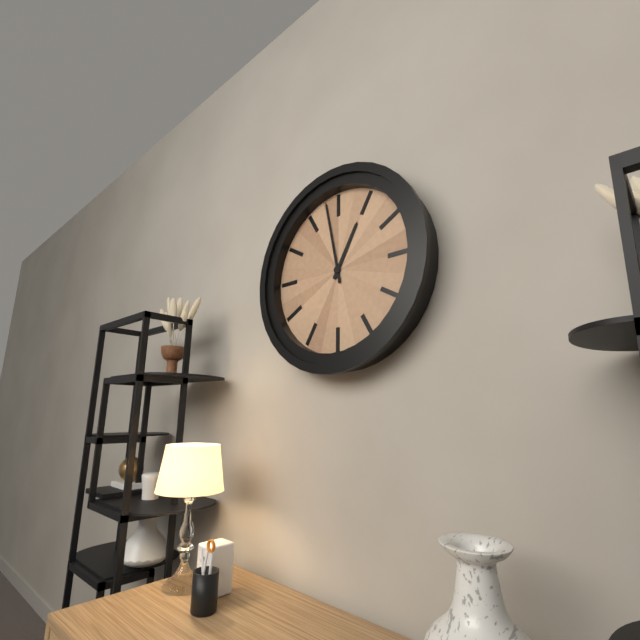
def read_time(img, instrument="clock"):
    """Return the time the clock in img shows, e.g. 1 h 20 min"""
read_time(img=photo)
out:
12 h 58 min
